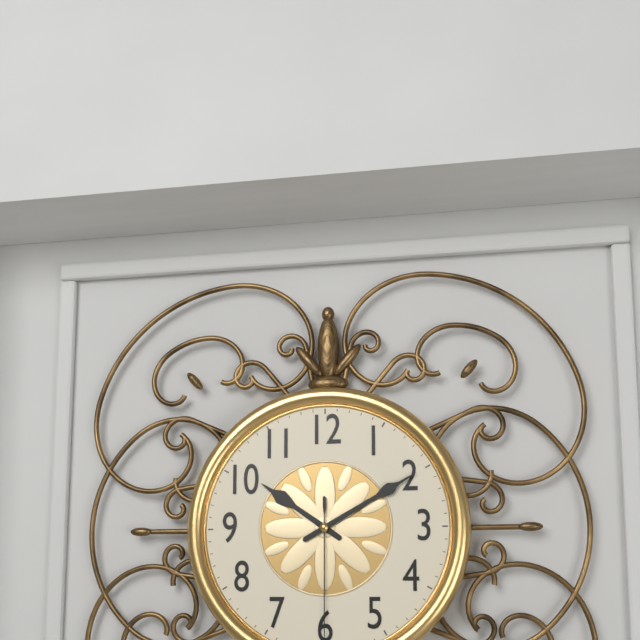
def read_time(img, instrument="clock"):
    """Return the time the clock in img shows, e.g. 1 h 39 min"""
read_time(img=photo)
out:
10 h 10 min
